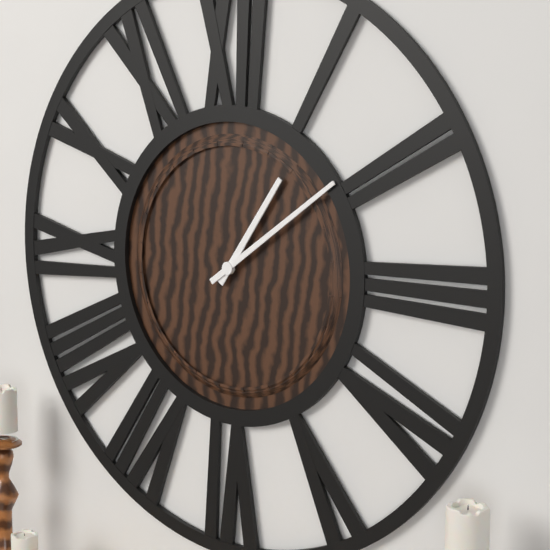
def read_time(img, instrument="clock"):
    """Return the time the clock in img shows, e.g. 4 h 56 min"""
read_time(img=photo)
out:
1 h 09 min
